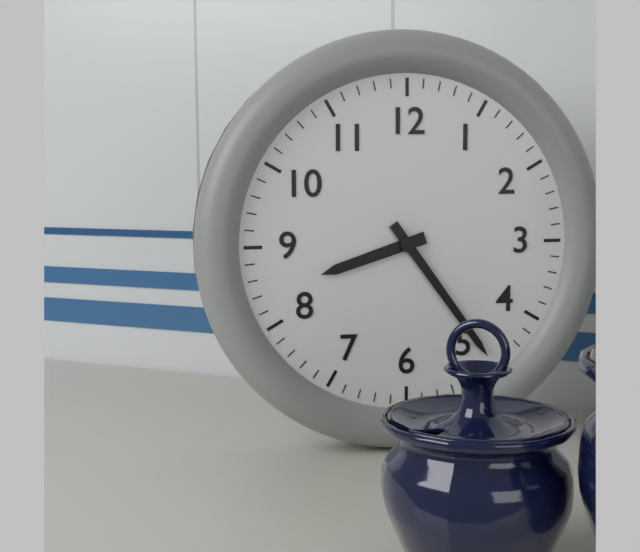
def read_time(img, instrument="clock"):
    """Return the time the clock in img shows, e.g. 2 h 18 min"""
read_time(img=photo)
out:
8 h 24 min
